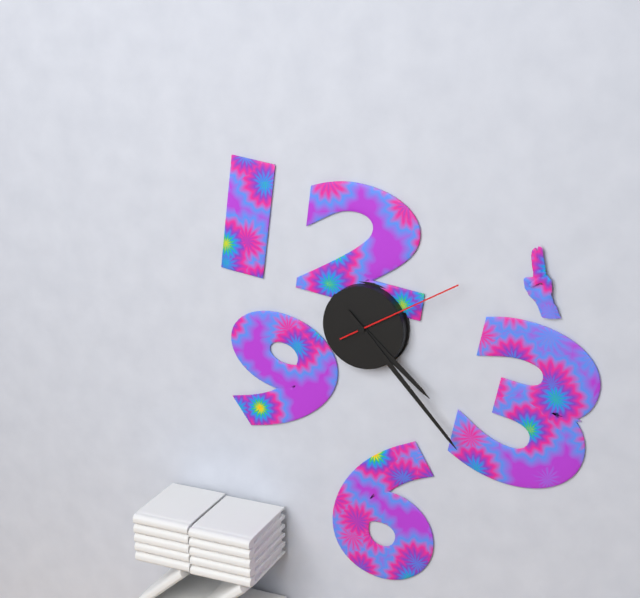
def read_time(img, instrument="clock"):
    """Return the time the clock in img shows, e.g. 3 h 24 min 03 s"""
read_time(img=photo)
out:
4 h 23 min 10 s
